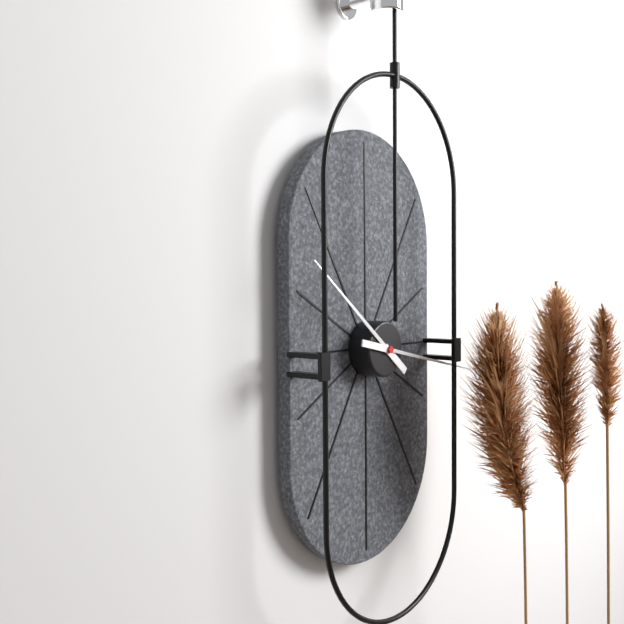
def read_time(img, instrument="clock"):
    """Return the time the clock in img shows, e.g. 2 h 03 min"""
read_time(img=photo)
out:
10 h 17 min
